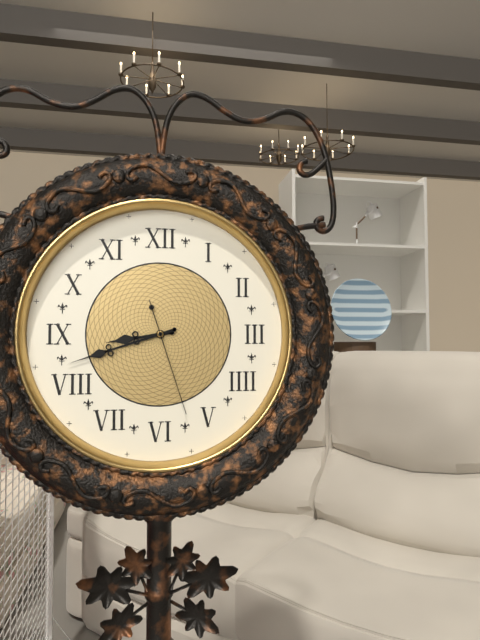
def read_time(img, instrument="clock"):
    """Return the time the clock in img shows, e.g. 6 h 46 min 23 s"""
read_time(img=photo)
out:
8 h 42 min 27 s
